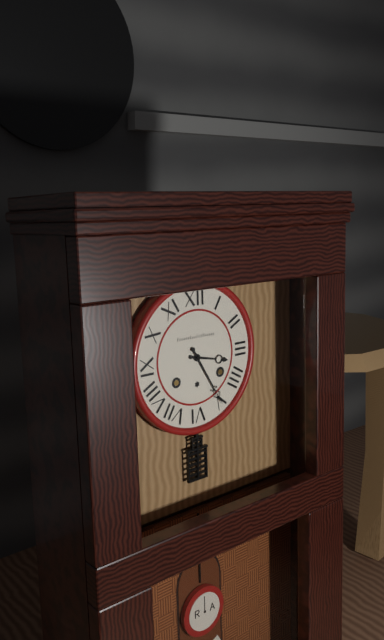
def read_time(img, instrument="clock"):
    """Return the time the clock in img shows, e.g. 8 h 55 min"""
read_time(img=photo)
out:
3 h 25 min
